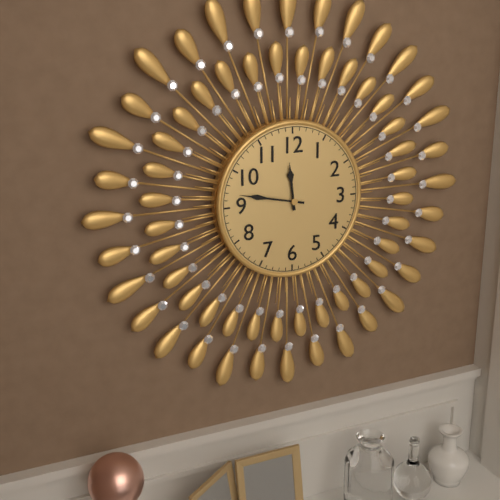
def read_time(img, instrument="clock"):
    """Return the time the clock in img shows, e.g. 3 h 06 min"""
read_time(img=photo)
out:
11 h 47 min
